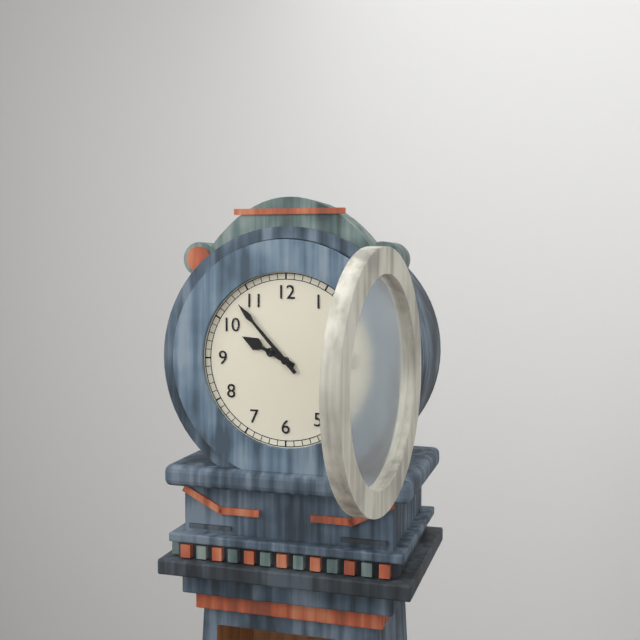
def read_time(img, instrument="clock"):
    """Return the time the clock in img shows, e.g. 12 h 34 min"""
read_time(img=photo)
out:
9 h 53 min
